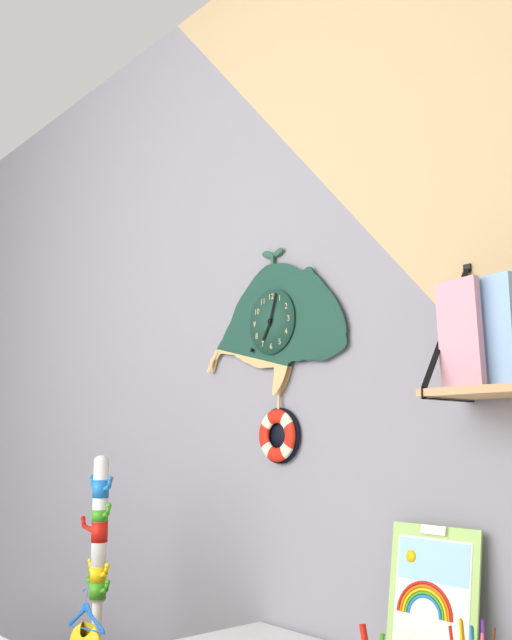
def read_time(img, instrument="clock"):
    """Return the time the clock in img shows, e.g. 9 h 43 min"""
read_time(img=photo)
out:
7 h 03 min
